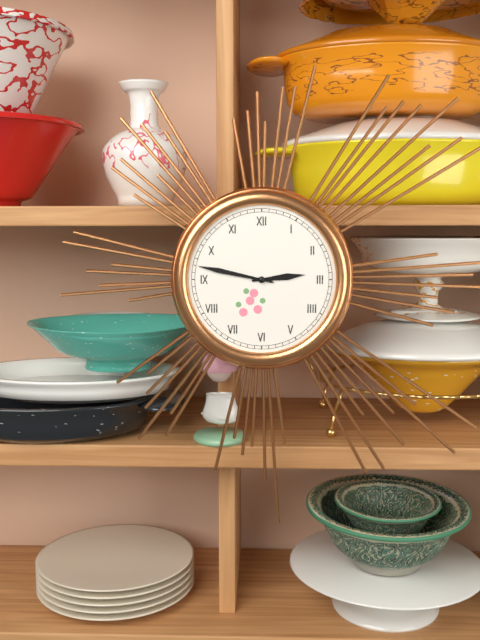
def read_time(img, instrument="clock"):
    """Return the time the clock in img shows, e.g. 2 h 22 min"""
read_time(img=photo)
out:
2 h 47 min
